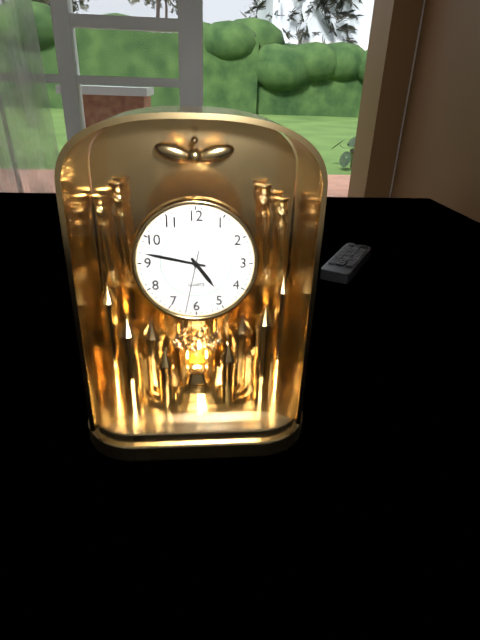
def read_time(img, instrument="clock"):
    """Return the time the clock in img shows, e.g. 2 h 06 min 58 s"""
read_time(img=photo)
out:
4 h 47 min 32 s
